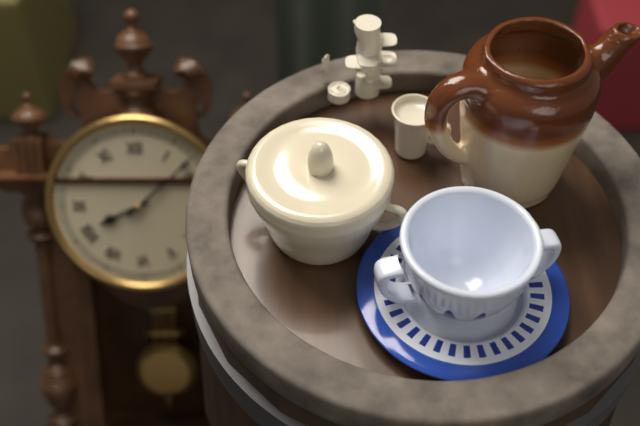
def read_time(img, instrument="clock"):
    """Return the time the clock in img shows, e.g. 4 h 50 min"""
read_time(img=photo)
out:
8 h 08 min
